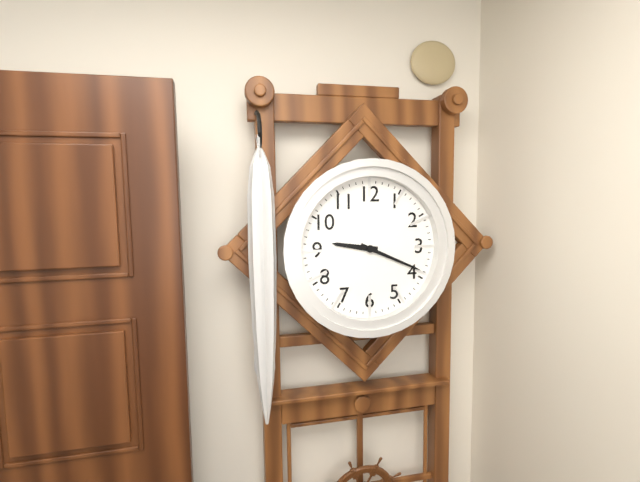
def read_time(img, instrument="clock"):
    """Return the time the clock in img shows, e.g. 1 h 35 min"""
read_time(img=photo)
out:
9 h 19 min
